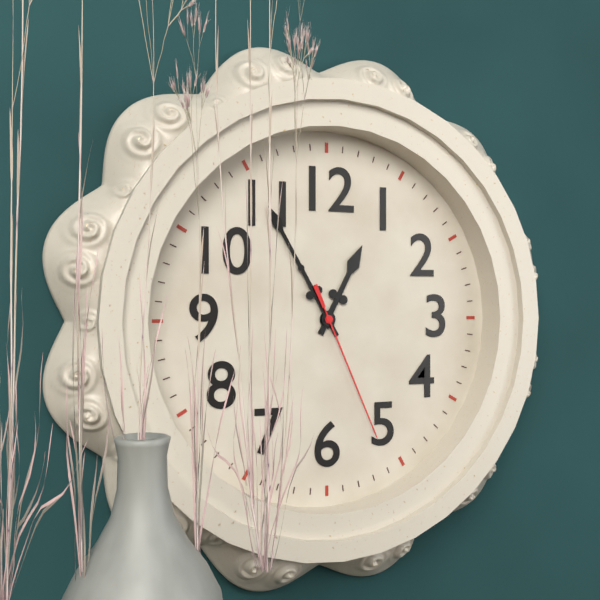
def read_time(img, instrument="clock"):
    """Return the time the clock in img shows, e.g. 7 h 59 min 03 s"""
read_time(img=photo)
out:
12 h 55 min 26 s
